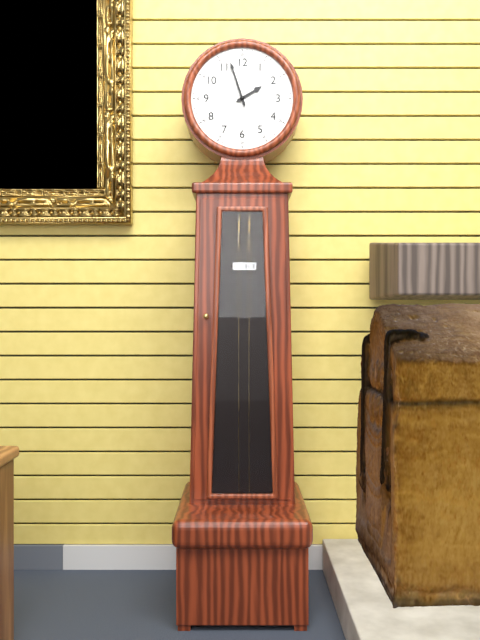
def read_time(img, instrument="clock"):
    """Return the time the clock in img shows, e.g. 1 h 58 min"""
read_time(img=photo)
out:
1 h 57 min
